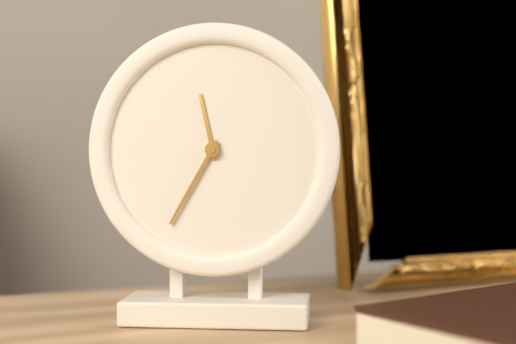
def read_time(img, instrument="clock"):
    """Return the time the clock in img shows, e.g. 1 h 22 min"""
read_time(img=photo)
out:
11 h 35 min
